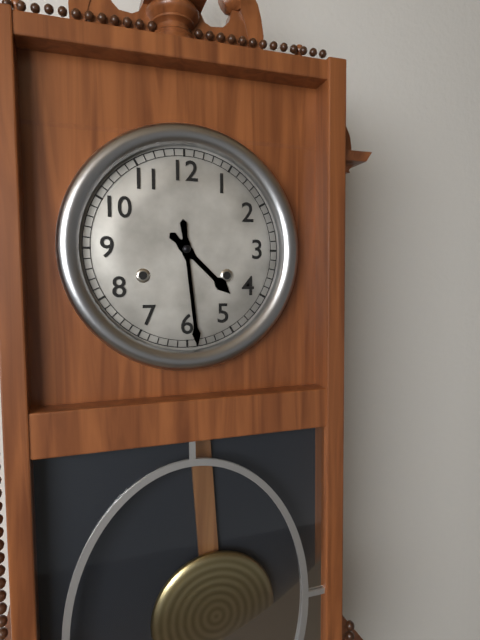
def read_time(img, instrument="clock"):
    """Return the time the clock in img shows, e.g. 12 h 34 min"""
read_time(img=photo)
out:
4 h 29 min
